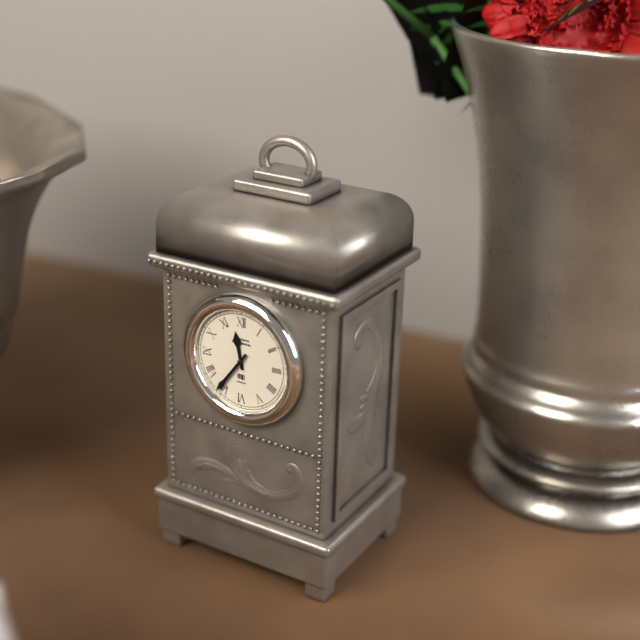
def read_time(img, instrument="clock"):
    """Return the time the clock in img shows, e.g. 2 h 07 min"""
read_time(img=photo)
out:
11 h 36 min
